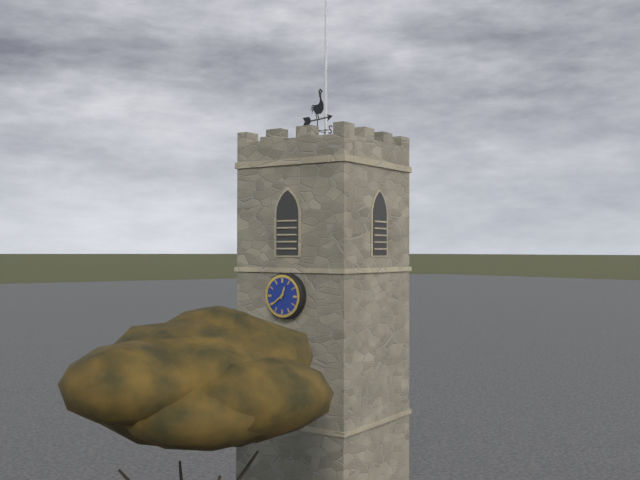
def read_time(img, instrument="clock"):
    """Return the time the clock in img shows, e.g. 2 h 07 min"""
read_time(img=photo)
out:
12 h 39 min
